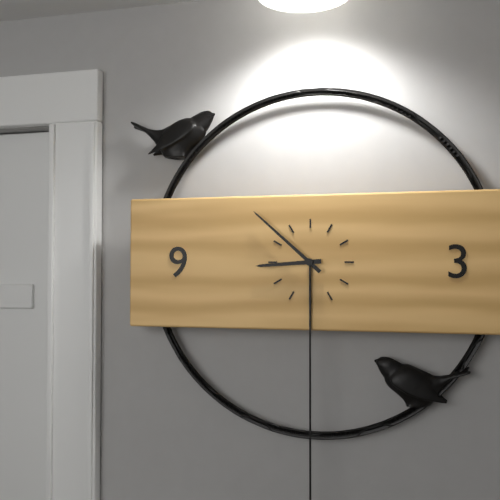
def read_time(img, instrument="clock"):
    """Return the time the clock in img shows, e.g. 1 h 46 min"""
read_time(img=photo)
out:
8 h 52 min
